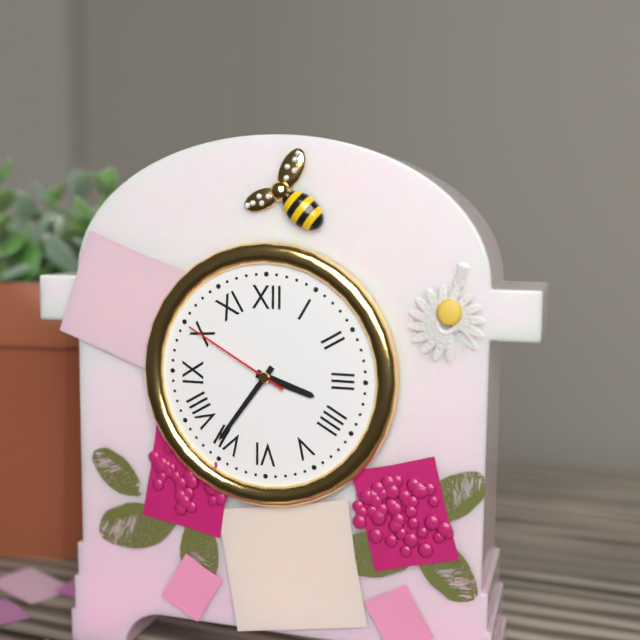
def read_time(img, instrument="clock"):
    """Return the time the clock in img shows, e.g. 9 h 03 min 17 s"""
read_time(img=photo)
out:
3 h 36 min 50 s
